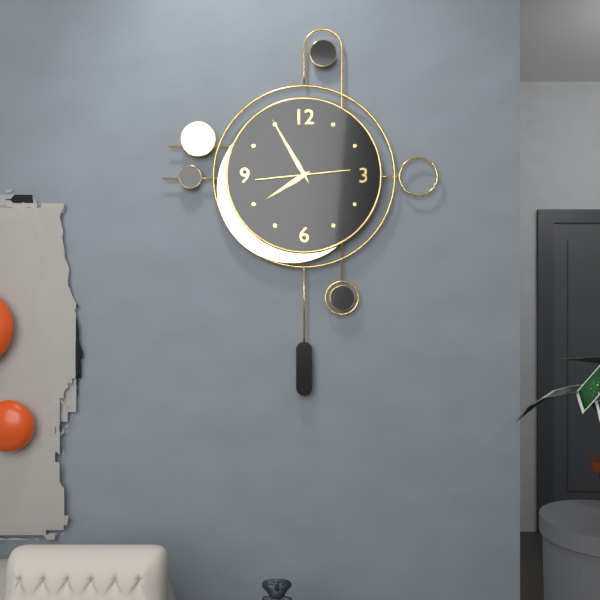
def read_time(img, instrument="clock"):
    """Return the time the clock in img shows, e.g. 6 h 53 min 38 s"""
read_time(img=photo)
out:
7 h 55 min 44 s
